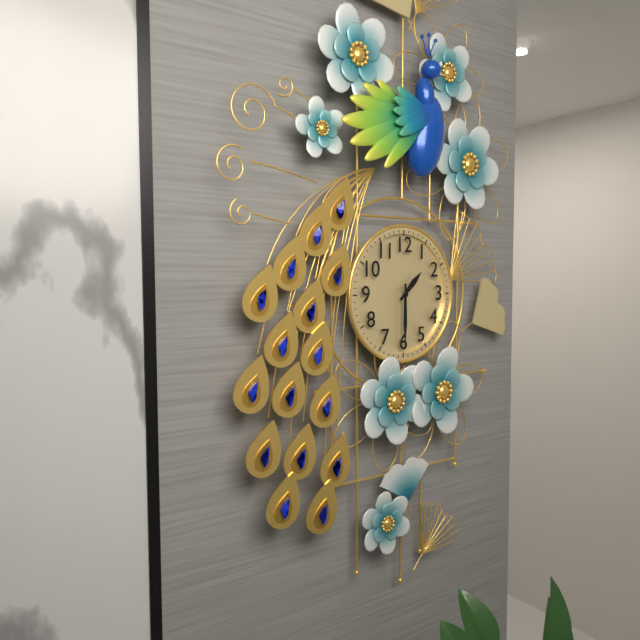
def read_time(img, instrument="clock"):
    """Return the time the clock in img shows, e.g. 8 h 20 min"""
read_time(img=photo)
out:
1 h 30 min
